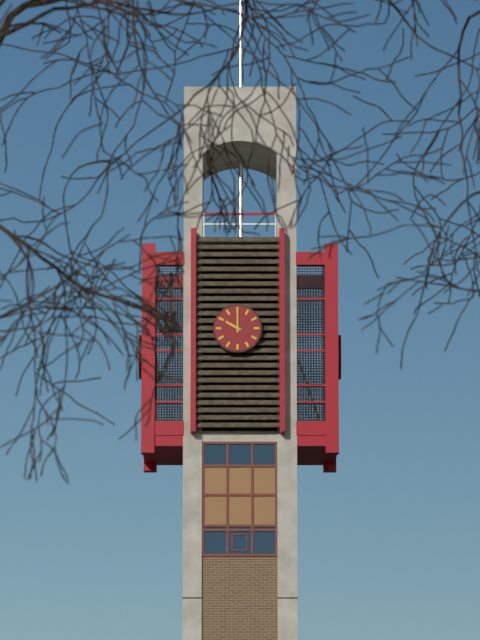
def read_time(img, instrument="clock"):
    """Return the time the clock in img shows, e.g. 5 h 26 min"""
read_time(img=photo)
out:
10 h 00 min
